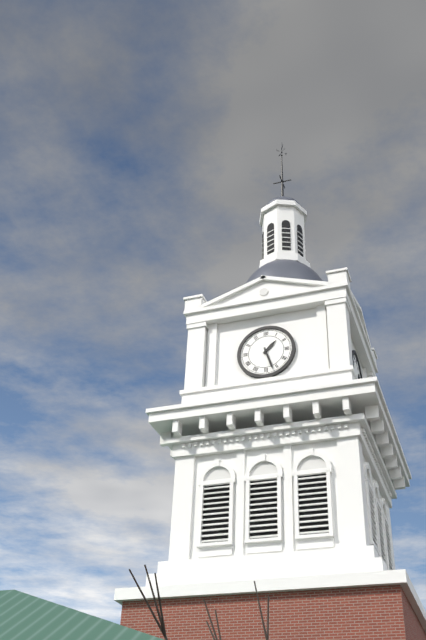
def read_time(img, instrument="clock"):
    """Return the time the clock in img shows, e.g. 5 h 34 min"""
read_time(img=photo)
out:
1 h 27 min
